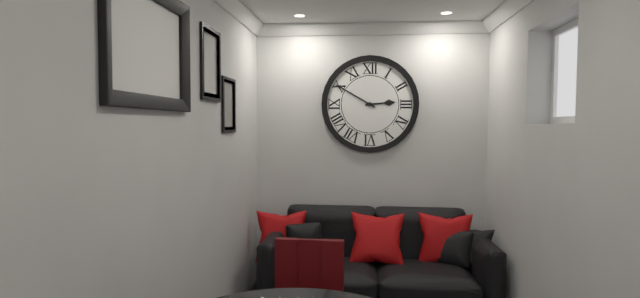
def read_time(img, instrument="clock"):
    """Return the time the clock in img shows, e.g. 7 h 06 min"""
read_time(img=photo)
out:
2 h 50 min
